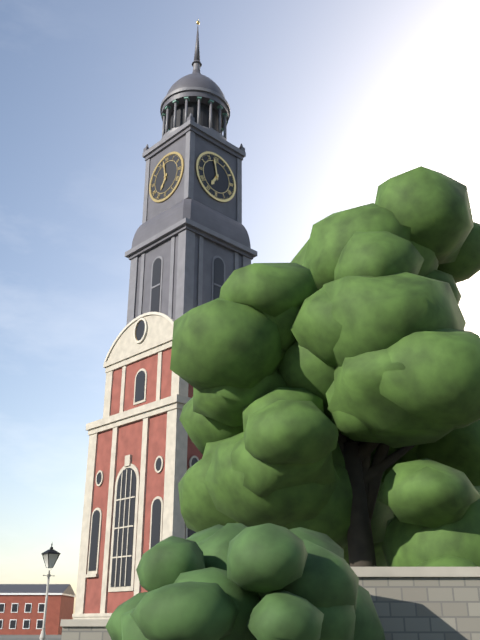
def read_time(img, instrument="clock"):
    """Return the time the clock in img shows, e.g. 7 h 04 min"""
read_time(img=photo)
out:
6 h 58 min
